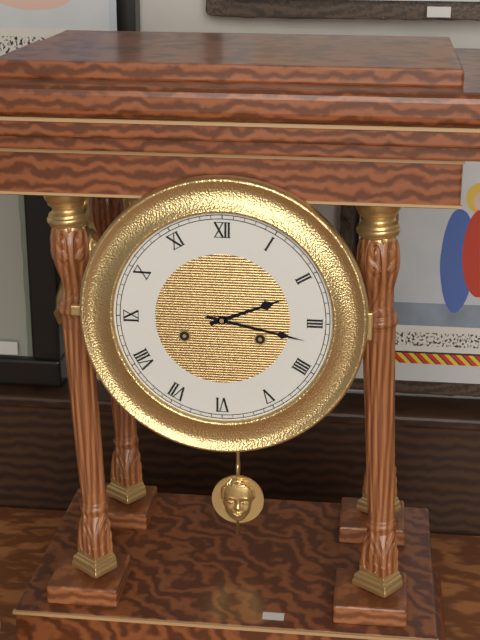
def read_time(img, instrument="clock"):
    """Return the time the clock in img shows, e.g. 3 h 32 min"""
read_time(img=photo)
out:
2 h 17 min
